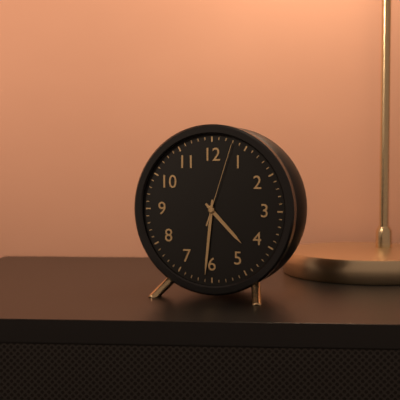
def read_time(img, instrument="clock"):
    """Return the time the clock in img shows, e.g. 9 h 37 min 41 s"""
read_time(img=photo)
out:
4 h 31 min 03 s
